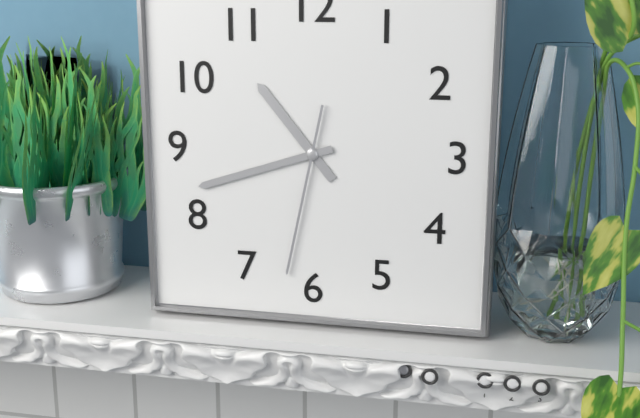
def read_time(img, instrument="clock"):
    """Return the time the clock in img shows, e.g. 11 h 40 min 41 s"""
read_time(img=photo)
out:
10 h 42 min 32 s
